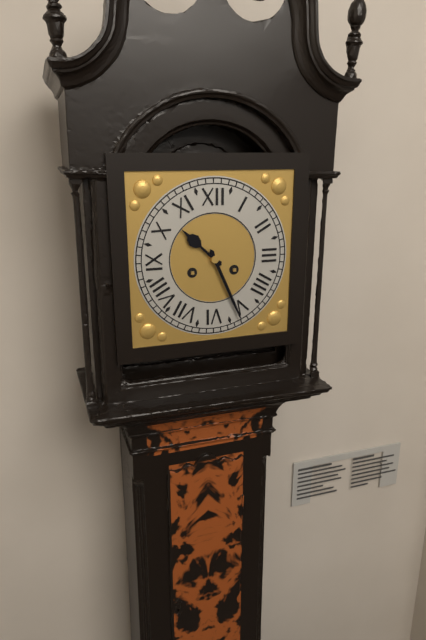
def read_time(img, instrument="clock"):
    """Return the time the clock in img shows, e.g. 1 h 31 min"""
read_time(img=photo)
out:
10 h 26 min
